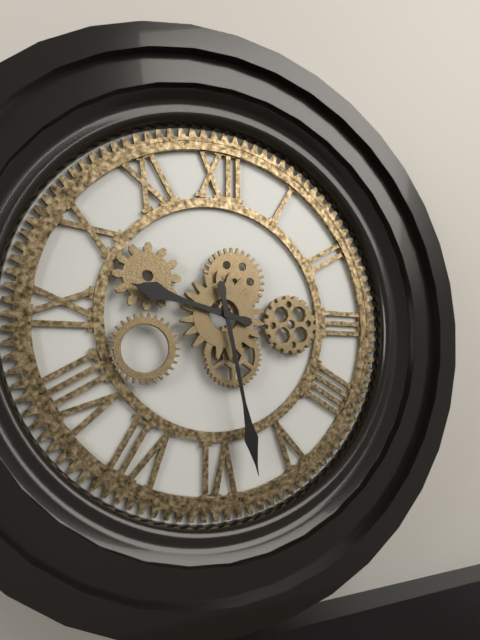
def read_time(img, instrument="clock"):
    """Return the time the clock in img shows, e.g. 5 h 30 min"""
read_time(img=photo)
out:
9 h 28 min
